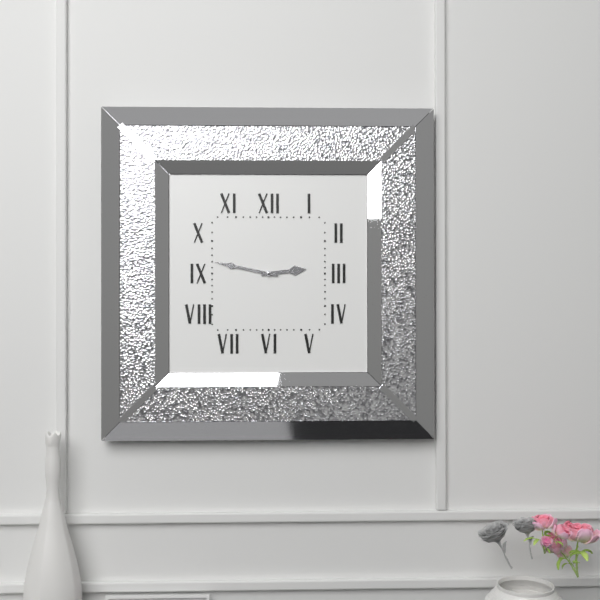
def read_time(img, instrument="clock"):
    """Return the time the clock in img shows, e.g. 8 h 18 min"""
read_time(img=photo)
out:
2 h 47 min
